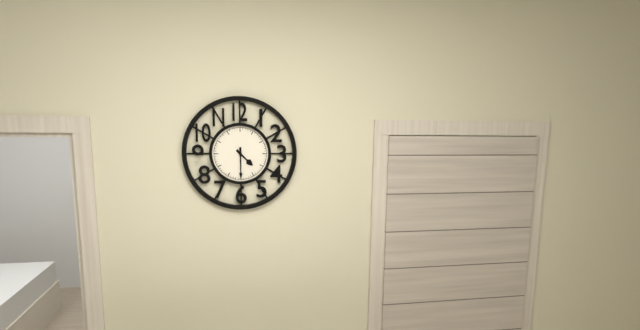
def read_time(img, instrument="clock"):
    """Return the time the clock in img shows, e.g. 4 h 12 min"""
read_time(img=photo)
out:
4 h 30 min
